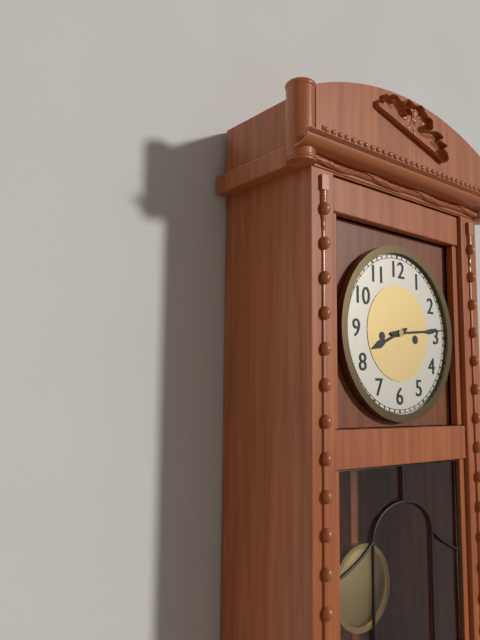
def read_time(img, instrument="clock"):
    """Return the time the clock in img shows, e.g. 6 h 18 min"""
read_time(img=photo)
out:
8 h 14 min
